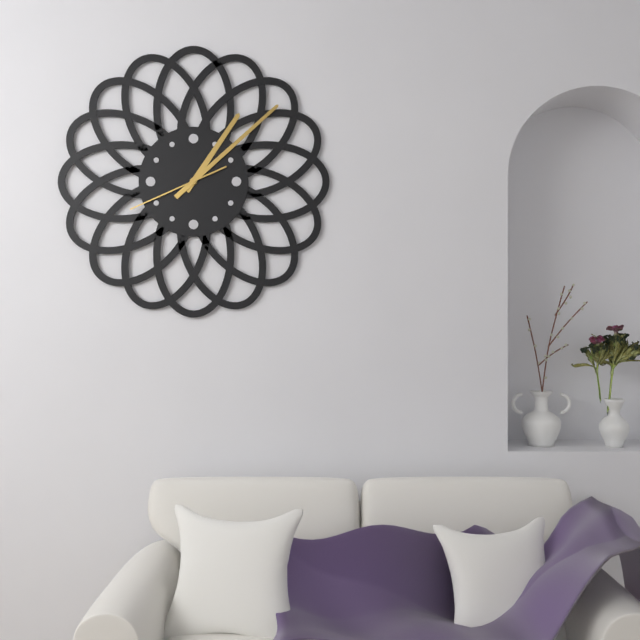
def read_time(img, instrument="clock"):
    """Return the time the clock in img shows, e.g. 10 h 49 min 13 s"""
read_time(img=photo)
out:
1 h 08 min 41 s
